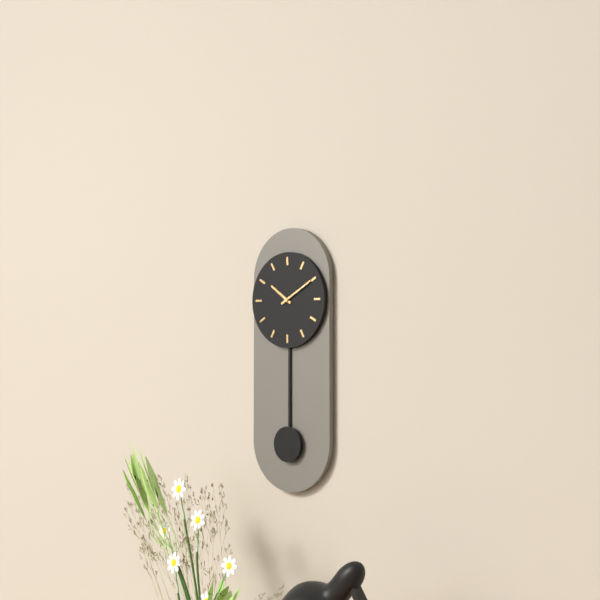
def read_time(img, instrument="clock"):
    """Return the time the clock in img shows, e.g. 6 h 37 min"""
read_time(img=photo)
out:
10 h 10 min
